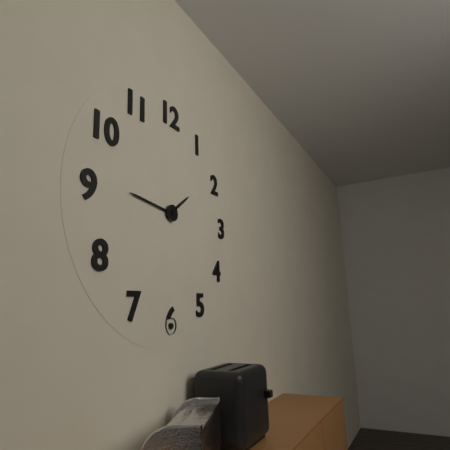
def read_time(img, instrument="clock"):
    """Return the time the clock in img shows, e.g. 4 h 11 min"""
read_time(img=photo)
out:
1 h 46 min
